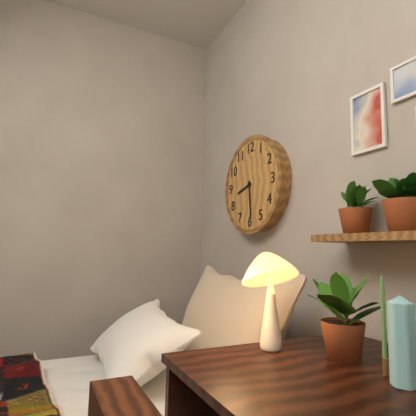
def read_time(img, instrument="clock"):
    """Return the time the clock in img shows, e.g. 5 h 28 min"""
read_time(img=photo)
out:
8 h 29 min
